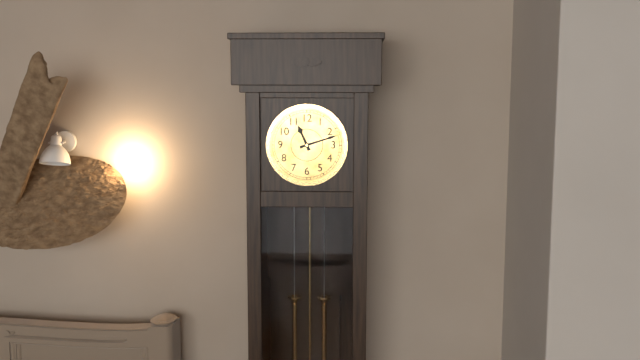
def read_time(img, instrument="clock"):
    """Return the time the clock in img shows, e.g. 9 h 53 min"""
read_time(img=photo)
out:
11 h 12 min
